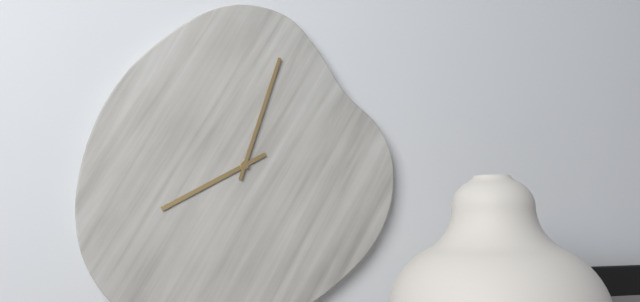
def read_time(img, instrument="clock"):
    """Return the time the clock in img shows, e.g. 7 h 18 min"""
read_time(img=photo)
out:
8 h 03 min
